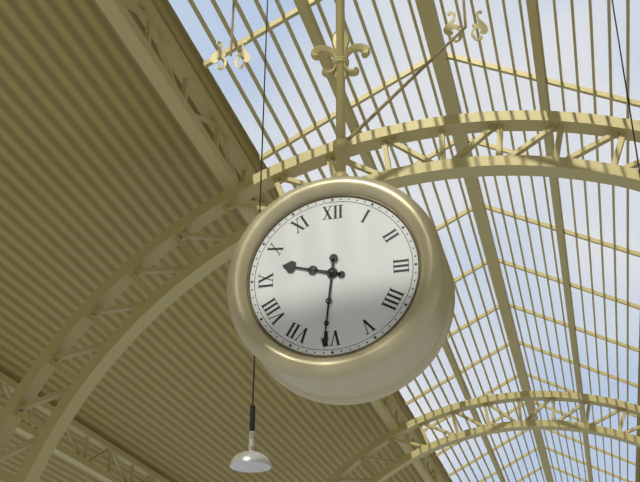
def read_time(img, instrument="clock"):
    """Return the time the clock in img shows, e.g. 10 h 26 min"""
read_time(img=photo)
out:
9 h 31 min
